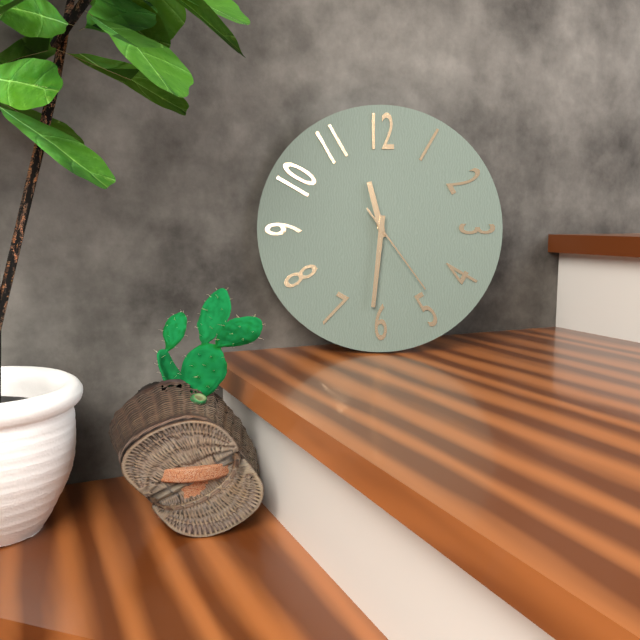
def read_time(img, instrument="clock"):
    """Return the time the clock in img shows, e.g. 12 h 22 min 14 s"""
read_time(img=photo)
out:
11 h 31 min 24 s
